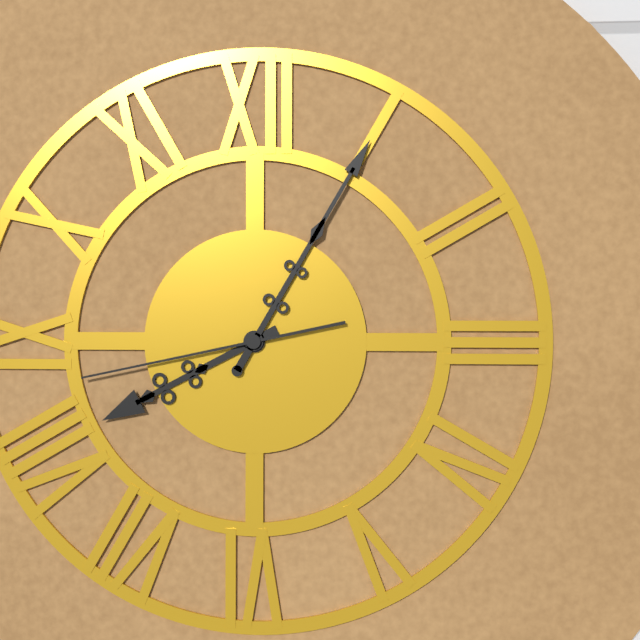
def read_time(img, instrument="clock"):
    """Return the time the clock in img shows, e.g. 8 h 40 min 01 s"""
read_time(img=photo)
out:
8 h 05 min 43 s
